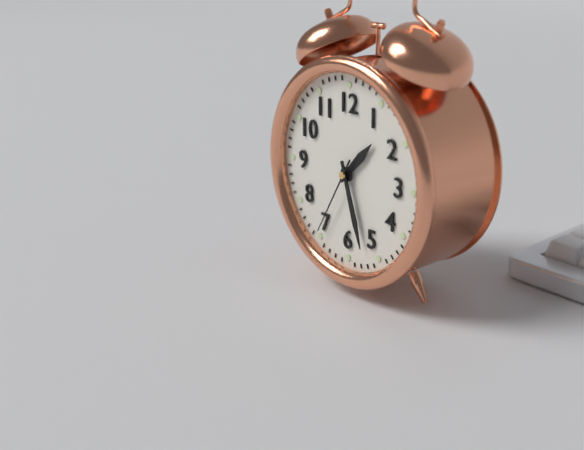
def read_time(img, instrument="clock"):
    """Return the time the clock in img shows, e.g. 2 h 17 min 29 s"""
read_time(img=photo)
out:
1 h 27 min 35 s
